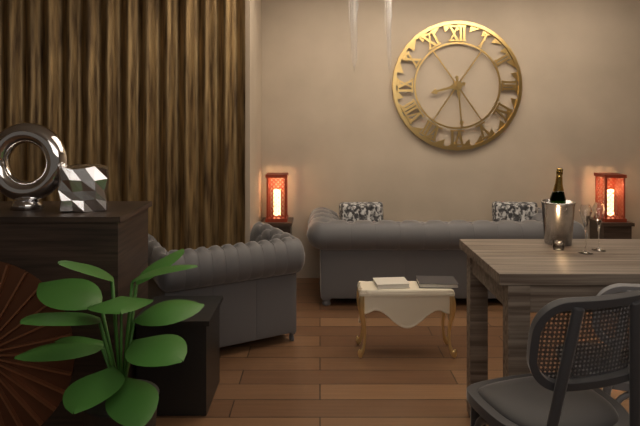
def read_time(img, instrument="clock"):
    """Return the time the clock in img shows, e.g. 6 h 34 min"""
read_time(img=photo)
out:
8 h 29 min
